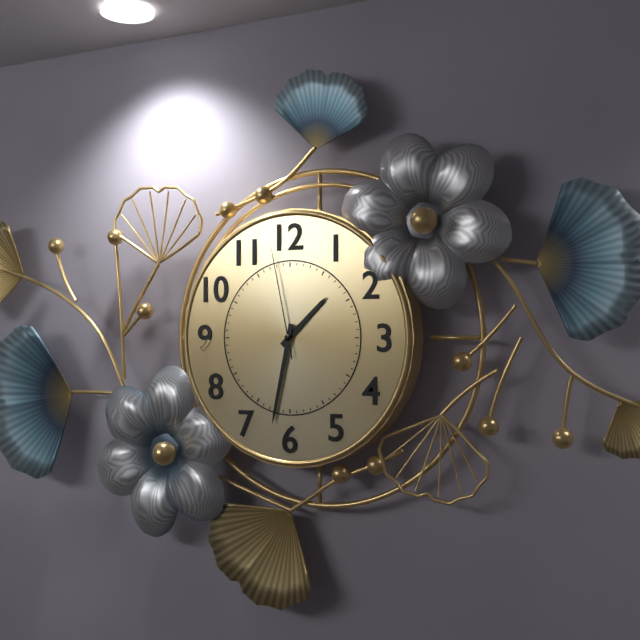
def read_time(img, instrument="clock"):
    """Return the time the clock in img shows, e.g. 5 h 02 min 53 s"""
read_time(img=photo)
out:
1 h 32 min 58 s
